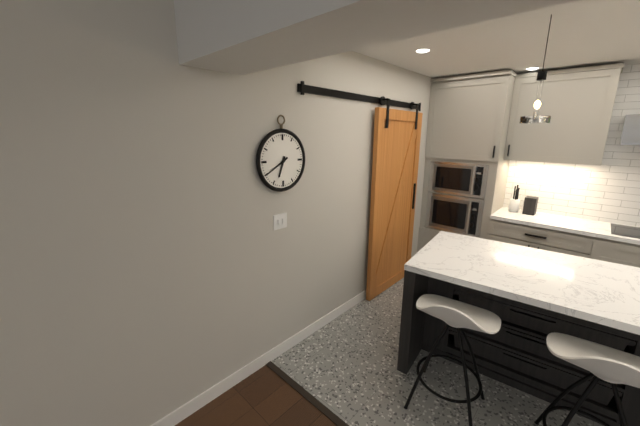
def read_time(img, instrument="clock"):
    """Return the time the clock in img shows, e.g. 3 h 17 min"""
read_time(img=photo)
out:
6 h 40 min
